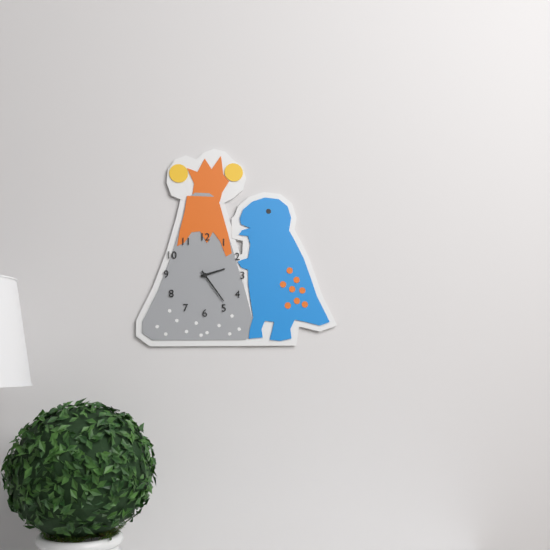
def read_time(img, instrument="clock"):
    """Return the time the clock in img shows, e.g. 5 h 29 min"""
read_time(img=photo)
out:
2 h 24 min
